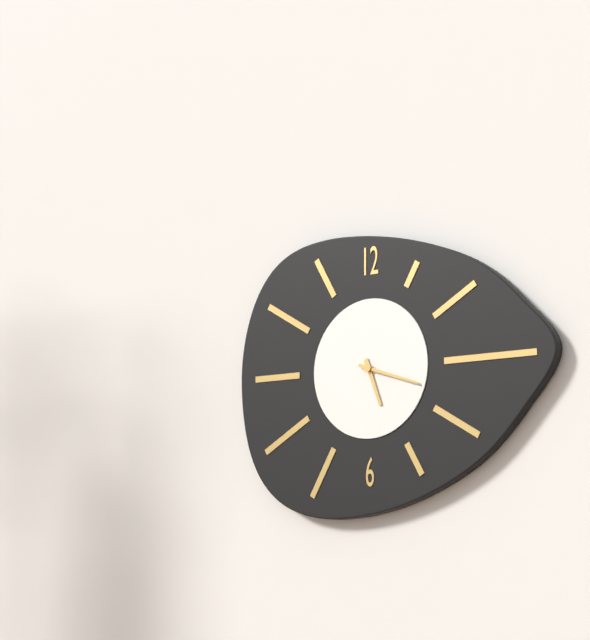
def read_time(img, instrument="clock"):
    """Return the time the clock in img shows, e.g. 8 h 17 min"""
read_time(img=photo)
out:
5 h 18 min
